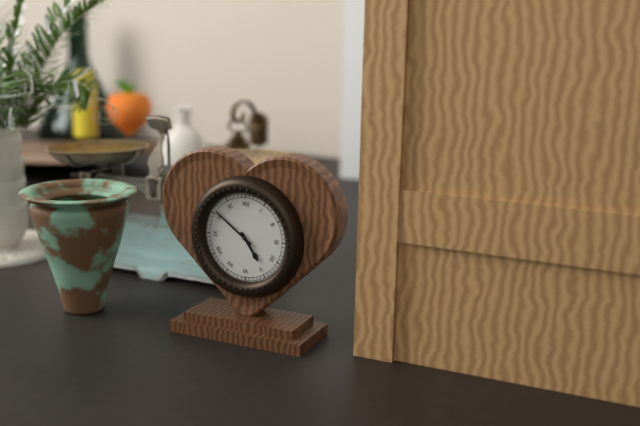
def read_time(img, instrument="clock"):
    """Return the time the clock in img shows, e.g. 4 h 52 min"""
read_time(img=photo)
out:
4 h 51 min
